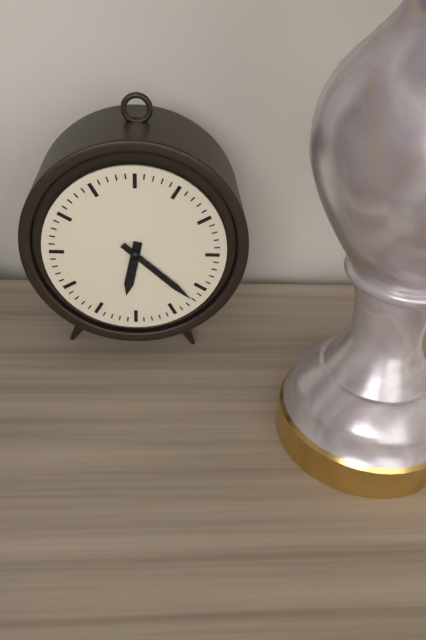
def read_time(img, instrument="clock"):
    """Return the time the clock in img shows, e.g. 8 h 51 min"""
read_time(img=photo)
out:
6 h 22 min
